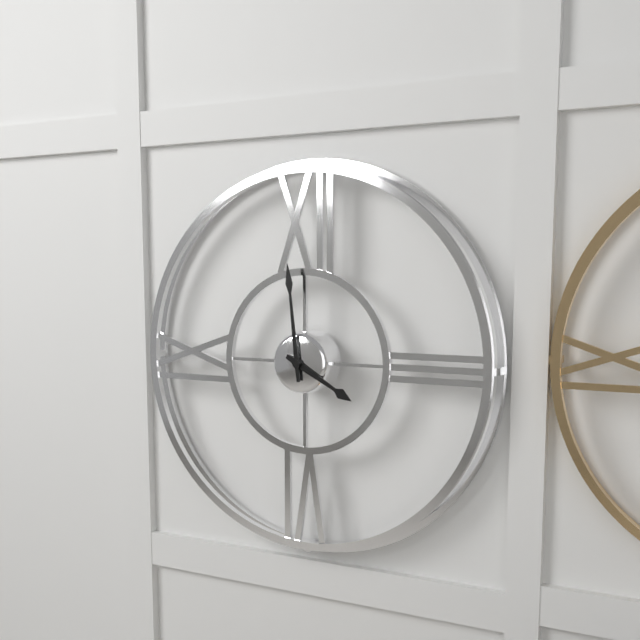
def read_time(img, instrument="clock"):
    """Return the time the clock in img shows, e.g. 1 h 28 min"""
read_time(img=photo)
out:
3 h 59 min
